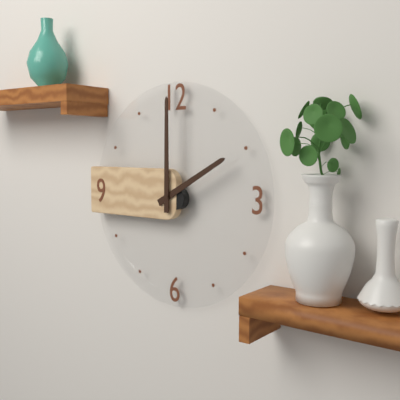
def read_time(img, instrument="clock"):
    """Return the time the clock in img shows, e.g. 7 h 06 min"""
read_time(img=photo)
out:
2 h 00 min
